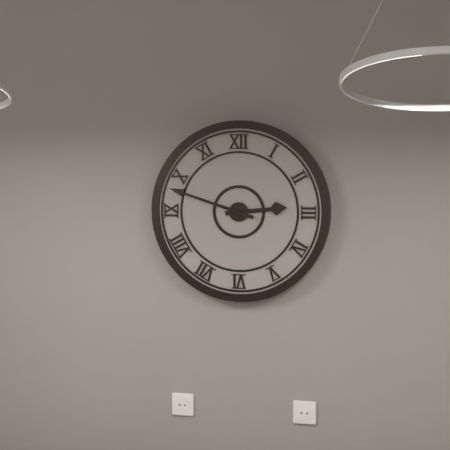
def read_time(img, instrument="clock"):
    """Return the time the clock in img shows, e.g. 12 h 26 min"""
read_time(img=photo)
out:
2 h 48 min
